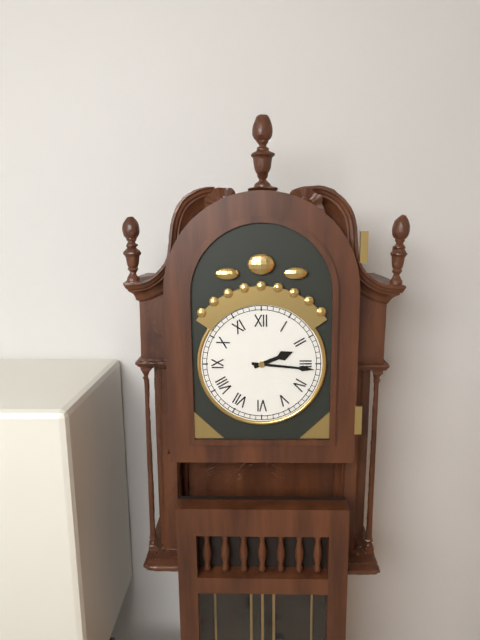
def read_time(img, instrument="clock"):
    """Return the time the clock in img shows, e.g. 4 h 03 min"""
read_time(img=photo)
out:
2 h 16 min
